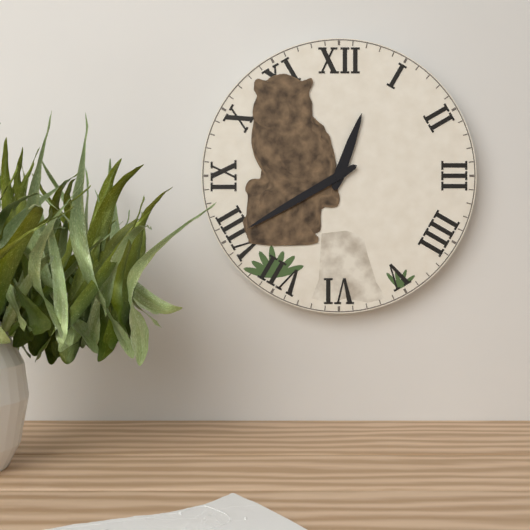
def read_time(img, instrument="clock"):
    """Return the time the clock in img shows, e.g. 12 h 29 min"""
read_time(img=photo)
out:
12 h 40 min
